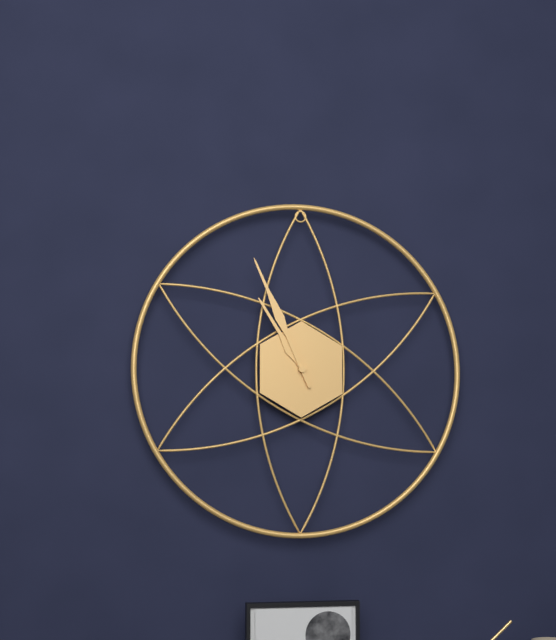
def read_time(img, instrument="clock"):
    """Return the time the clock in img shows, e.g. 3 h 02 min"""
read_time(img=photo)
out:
10 h 56 min
